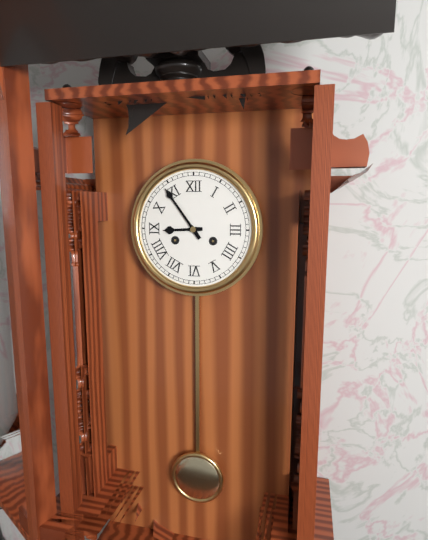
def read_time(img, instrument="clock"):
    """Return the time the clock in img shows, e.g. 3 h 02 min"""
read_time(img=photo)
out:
8 h 54 min
